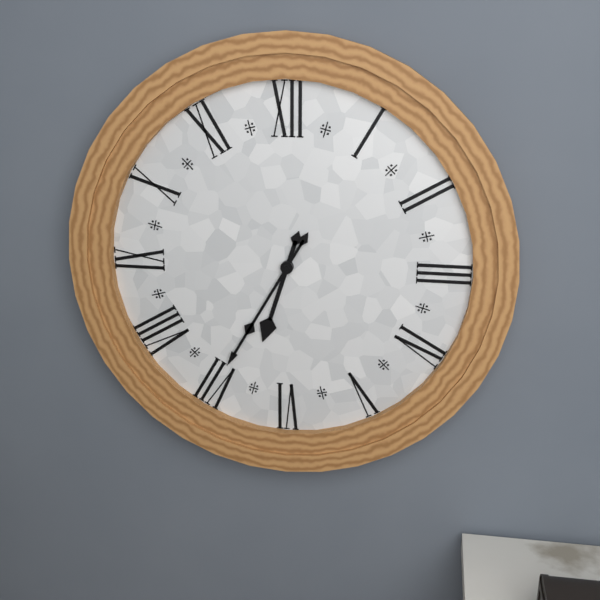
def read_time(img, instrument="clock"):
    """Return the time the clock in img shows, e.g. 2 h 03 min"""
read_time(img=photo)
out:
6 h 35 min
